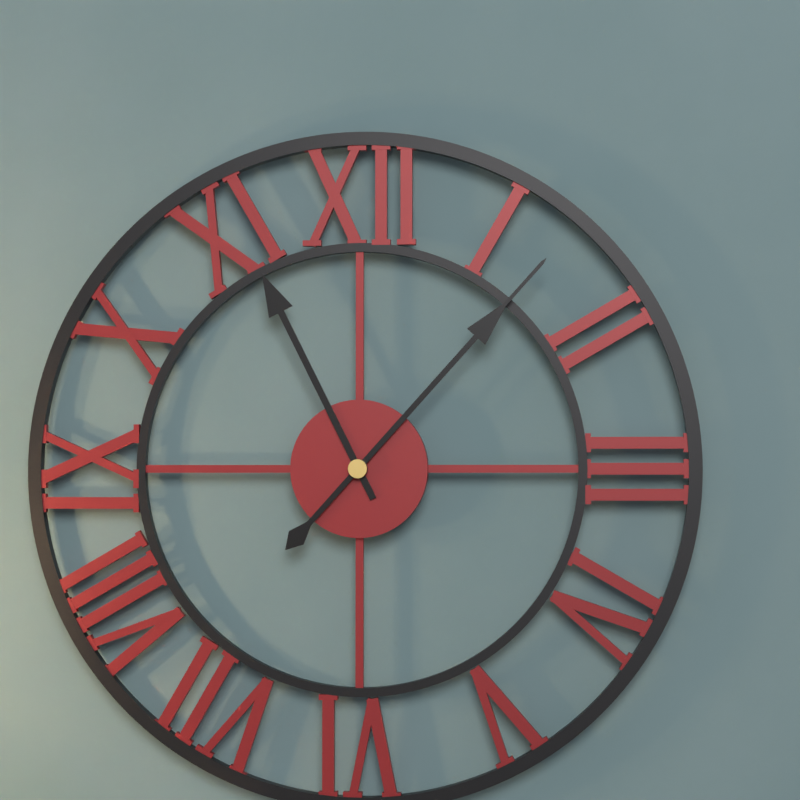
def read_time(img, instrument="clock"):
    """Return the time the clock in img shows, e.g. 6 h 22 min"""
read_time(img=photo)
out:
11 h 07 min
